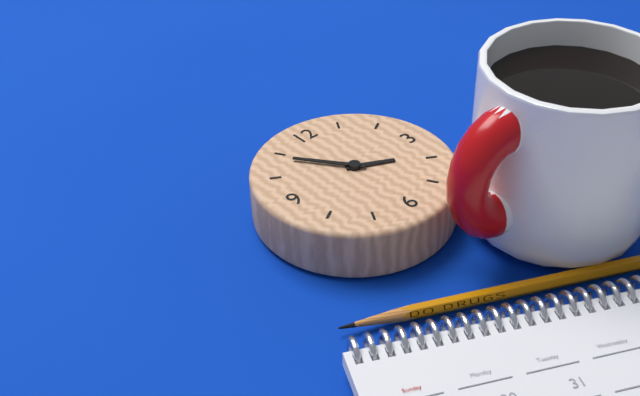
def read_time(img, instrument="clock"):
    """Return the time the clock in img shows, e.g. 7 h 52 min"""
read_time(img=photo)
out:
3 h 54 min
